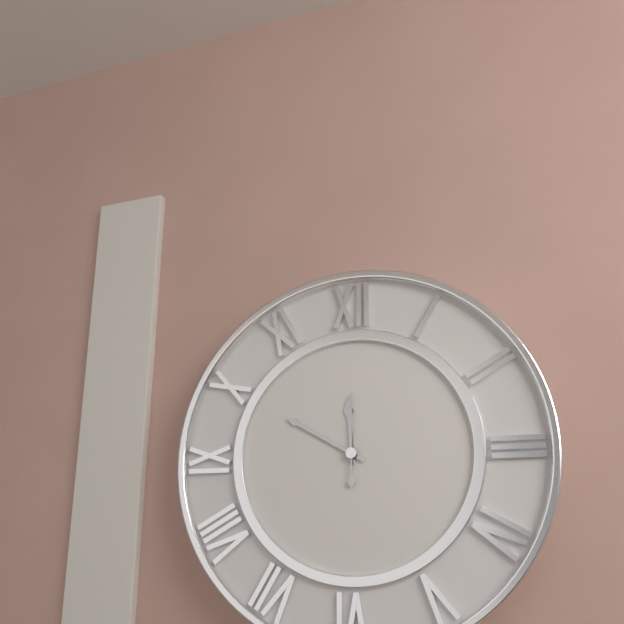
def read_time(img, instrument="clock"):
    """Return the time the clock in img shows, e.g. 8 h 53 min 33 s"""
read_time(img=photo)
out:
11 h 50 min 00 s
